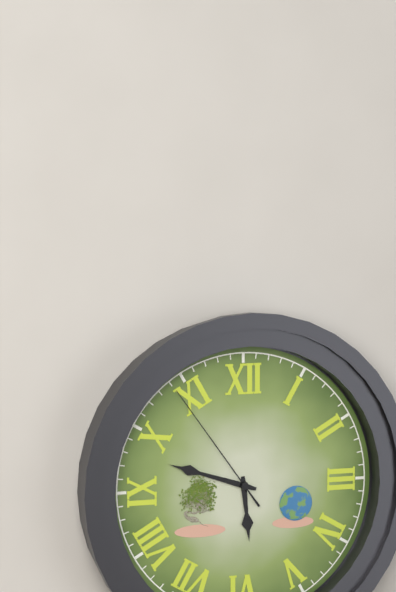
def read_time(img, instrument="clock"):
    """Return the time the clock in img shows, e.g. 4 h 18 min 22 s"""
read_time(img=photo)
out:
5 h 48 min 54 s
